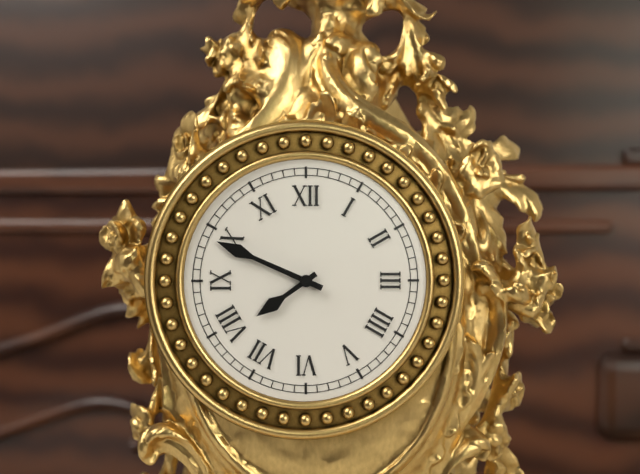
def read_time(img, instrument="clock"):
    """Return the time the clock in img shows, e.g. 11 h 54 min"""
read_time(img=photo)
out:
7 h 49 min
